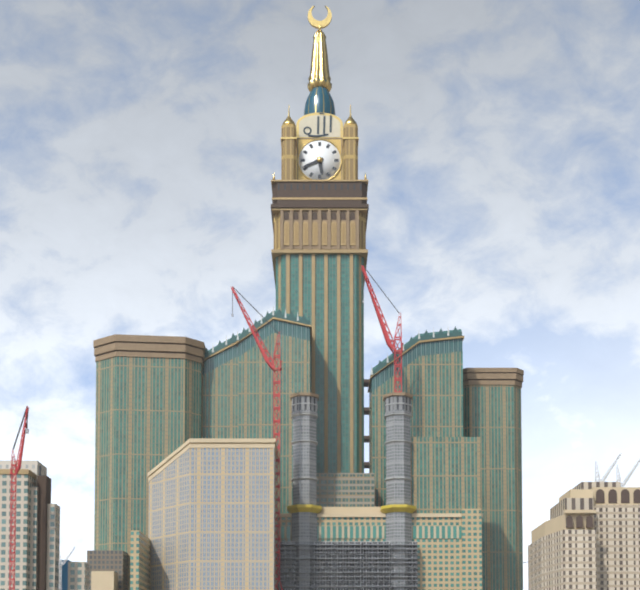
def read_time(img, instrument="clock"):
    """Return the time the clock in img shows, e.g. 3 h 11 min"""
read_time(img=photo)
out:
5 h 41 min
